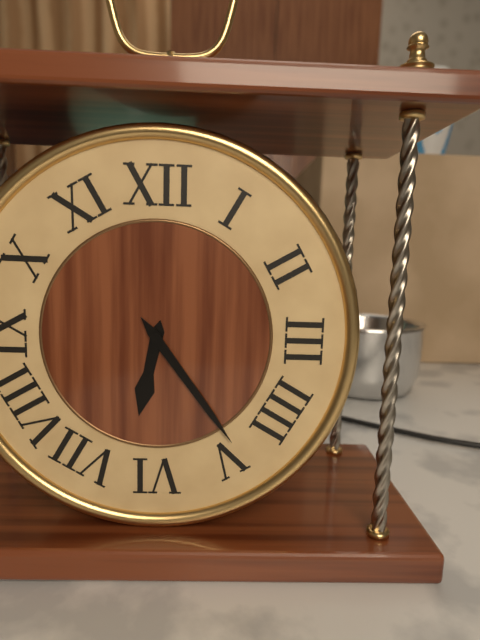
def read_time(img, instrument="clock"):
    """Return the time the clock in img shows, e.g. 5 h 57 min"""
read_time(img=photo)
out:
6 h 24 min
